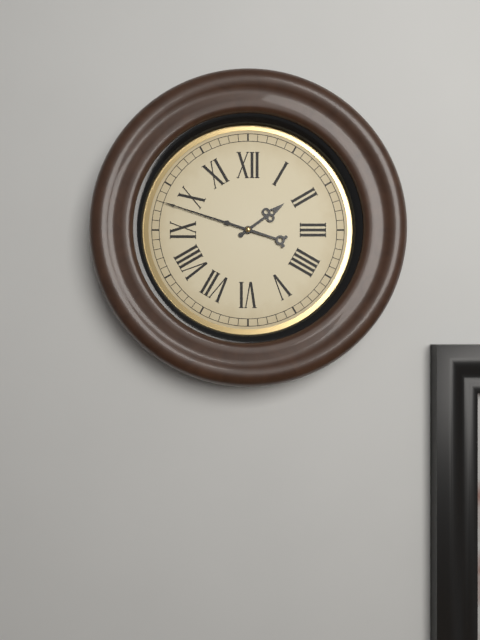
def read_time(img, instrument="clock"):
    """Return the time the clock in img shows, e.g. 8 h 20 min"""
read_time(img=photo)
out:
1 h 48 min
